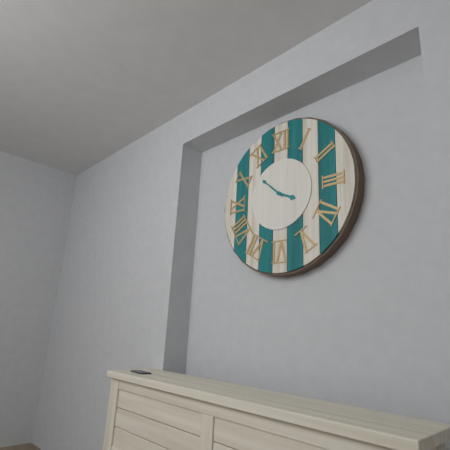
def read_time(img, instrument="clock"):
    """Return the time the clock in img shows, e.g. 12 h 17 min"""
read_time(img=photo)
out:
3 h 52 min
